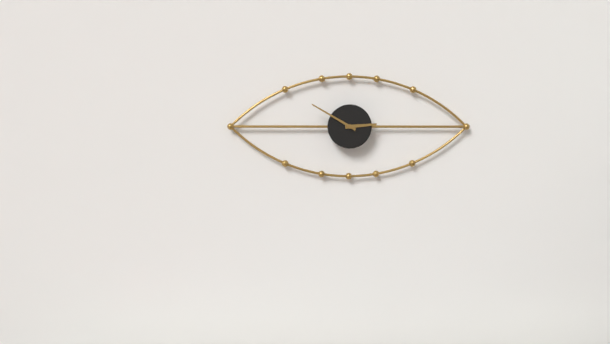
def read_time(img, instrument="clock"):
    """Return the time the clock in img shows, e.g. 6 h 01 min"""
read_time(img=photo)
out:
2 h 50 min
